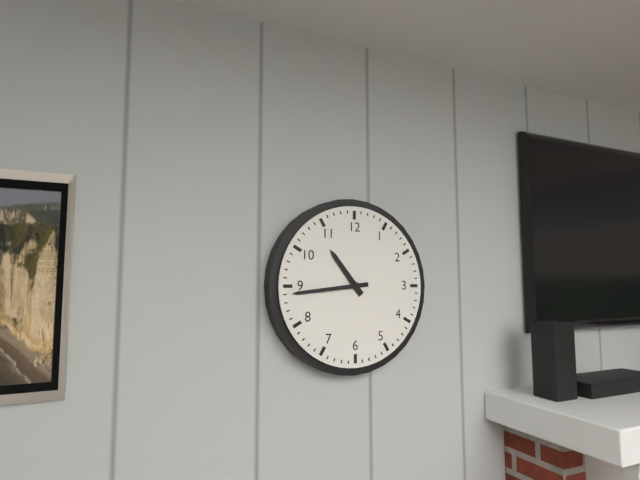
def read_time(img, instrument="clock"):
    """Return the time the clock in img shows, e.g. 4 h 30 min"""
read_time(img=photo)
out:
10 h 44 min
